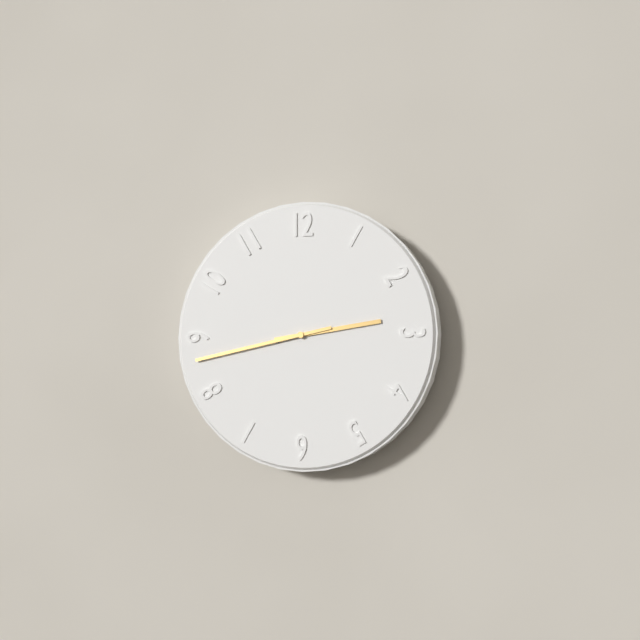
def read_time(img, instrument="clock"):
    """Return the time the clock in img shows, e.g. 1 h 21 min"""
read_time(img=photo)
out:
2 h 43 min
